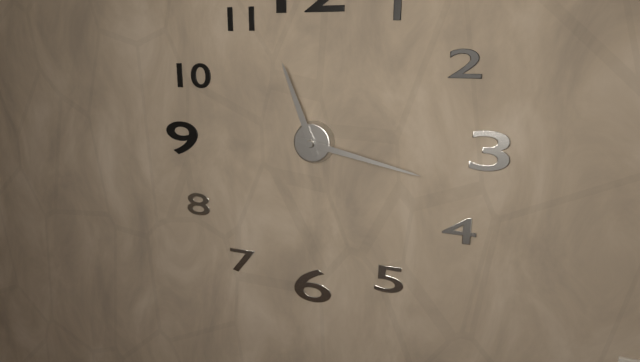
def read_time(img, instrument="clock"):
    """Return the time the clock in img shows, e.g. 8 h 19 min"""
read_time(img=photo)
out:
11 h 17 min
